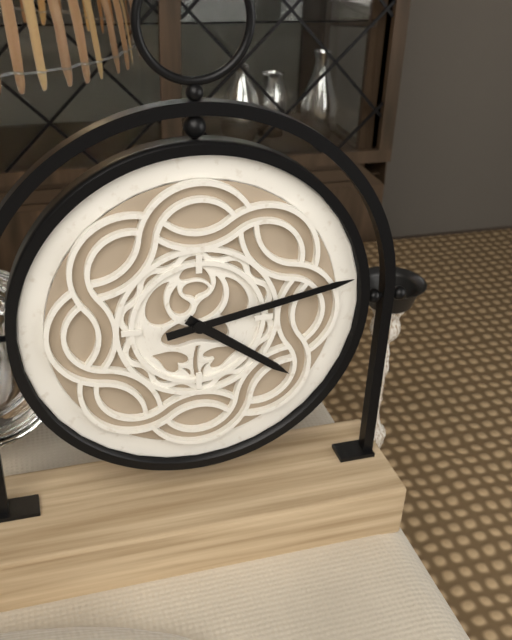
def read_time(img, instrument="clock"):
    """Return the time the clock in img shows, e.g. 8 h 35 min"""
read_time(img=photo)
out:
4 h 13 min
